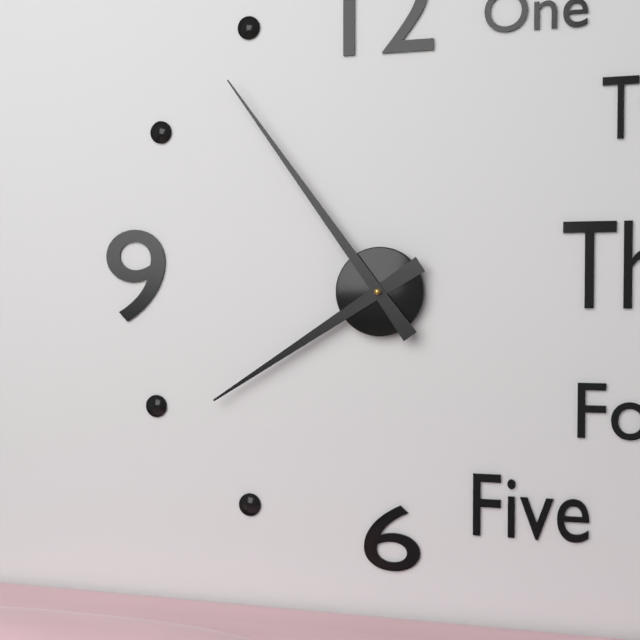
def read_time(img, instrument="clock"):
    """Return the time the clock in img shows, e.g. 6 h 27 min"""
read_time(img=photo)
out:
7 h 54 min
